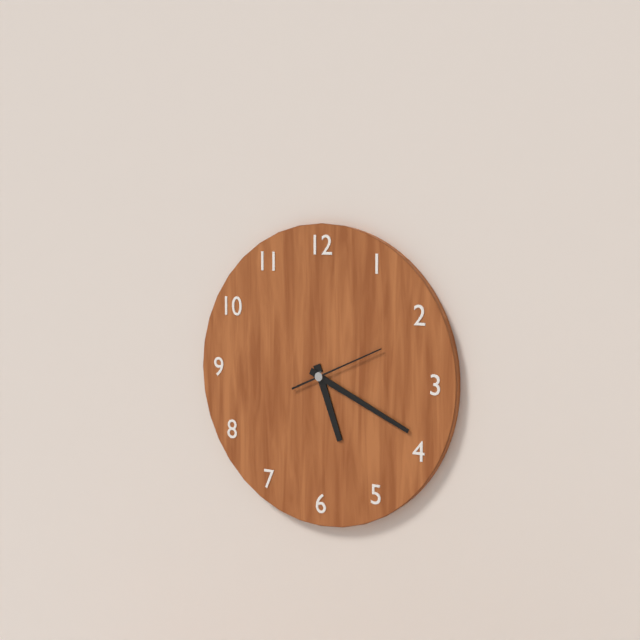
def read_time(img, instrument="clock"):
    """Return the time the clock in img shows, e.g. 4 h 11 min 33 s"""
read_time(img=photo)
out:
5 h 19 min 11 s
